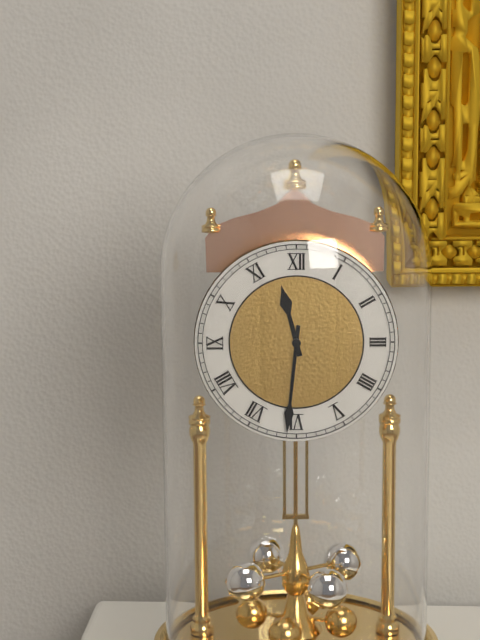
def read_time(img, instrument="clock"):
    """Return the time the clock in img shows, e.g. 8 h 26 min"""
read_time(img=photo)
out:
11 h 31 min
